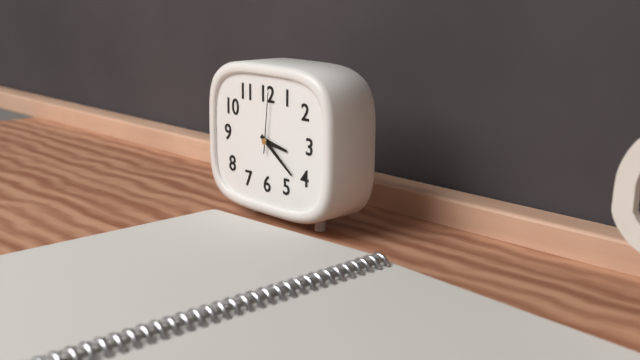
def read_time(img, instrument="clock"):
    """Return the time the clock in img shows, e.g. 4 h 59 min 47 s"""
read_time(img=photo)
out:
3 h 21 min 01 s
